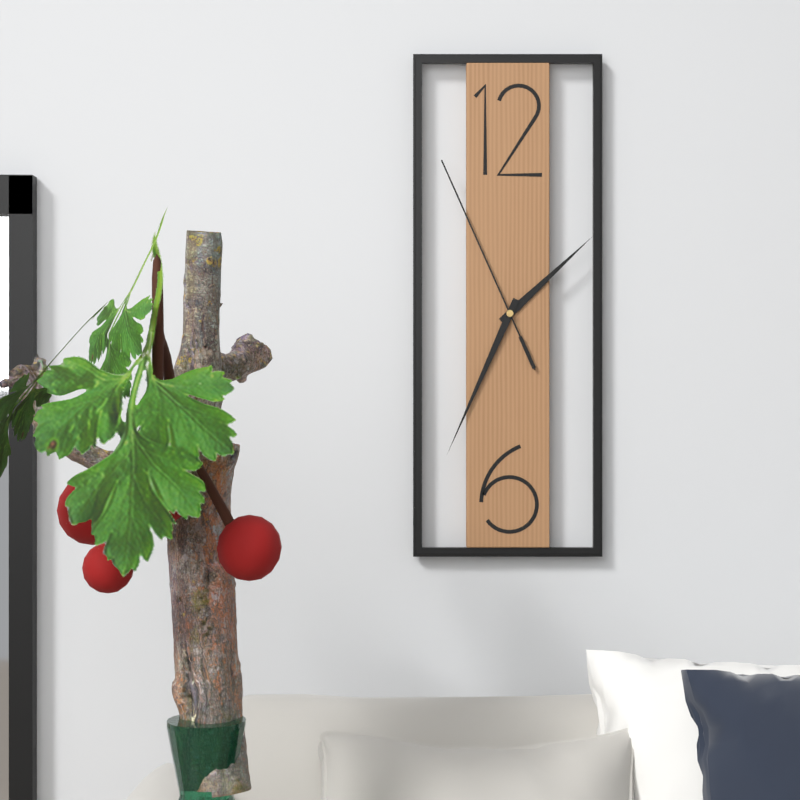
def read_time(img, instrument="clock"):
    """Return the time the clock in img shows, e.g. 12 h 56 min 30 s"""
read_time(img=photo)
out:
1 h 34 min 56 s
